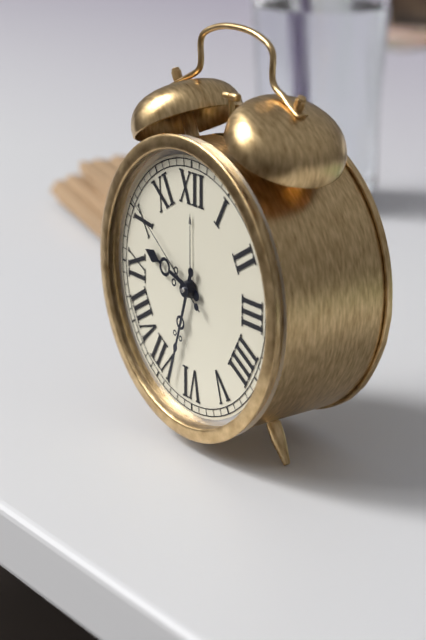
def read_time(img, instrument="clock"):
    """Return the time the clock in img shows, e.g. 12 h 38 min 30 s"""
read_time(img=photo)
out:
9 h 33 min 51 s
